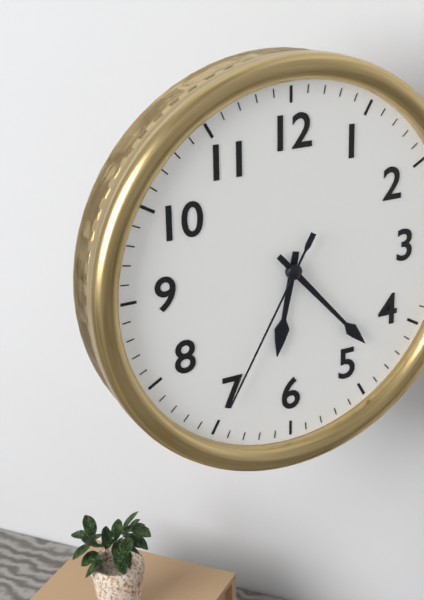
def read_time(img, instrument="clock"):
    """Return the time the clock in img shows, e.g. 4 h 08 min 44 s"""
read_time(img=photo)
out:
6 h 23 min 35 s
